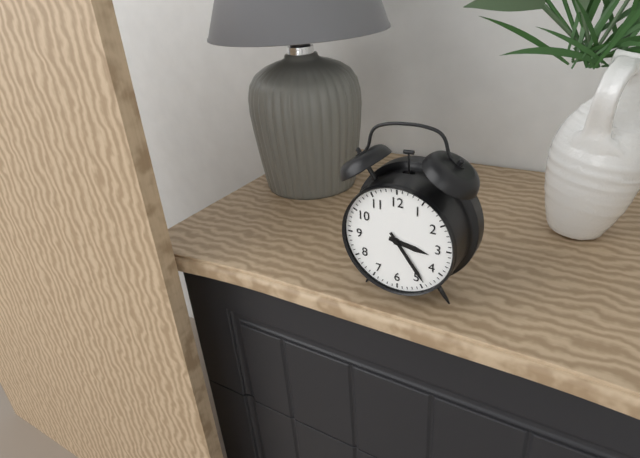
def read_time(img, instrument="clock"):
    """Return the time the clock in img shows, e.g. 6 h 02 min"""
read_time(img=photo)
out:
3 h 24 min
